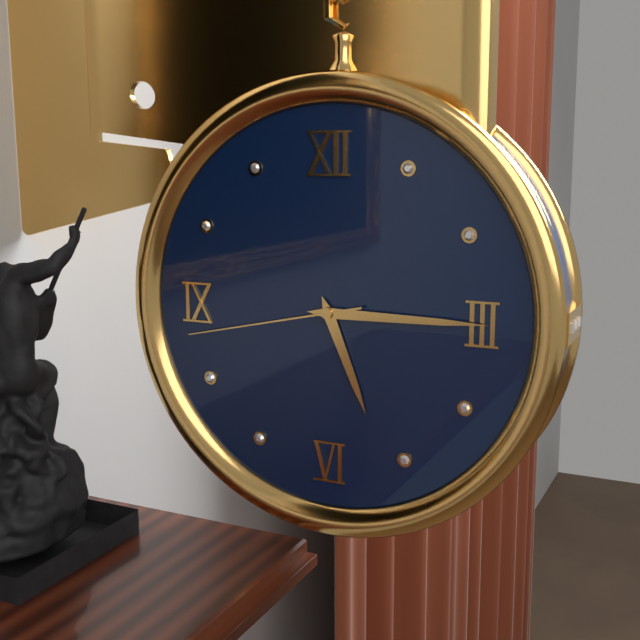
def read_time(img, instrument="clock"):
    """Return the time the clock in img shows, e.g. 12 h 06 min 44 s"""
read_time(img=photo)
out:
5 h 15 min 43 s
